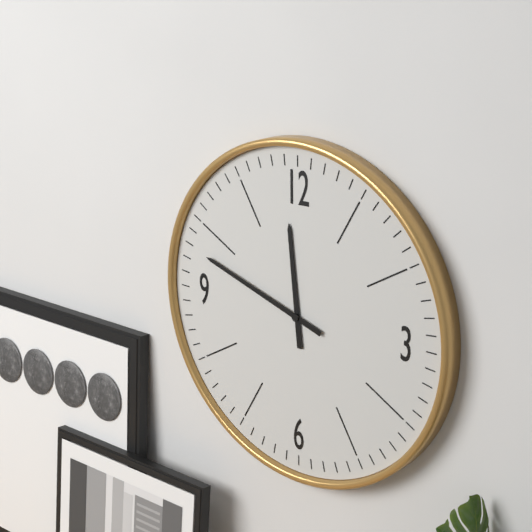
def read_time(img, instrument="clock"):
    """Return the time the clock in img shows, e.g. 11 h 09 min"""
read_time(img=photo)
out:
11 h 48 min
